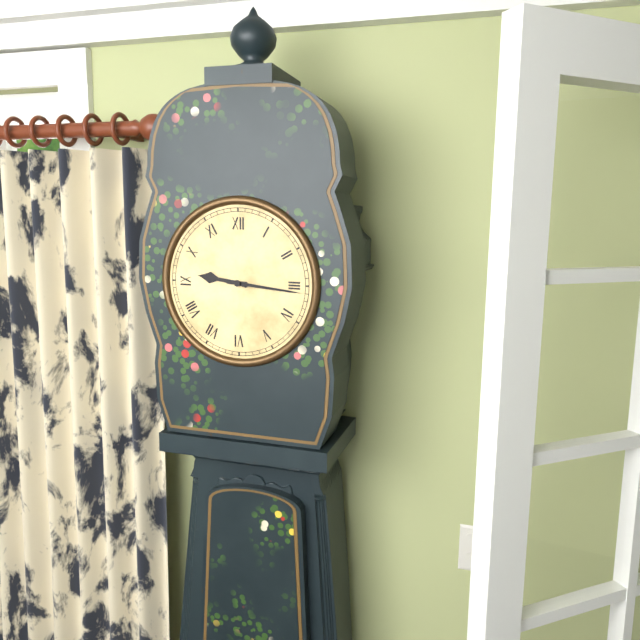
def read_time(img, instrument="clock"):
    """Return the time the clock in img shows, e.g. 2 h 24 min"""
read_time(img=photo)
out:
9 h 16 min
